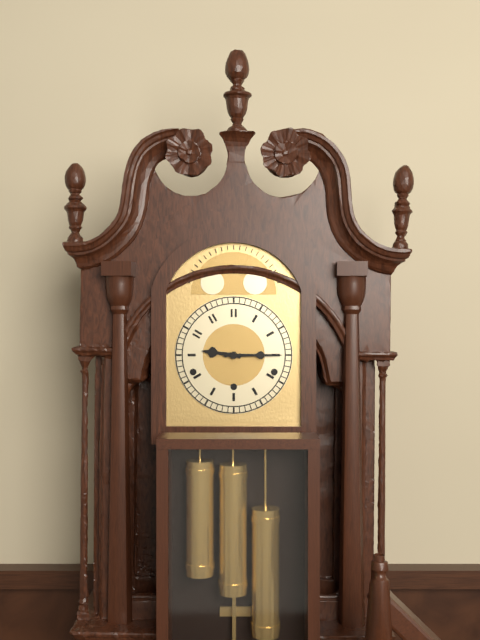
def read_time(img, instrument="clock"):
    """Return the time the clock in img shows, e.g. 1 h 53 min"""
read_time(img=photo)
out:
9 h 15 min
